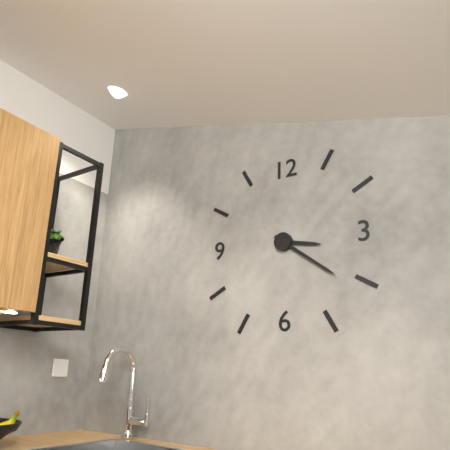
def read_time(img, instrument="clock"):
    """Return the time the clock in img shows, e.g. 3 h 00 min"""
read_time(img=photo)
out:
3 h 21 min
